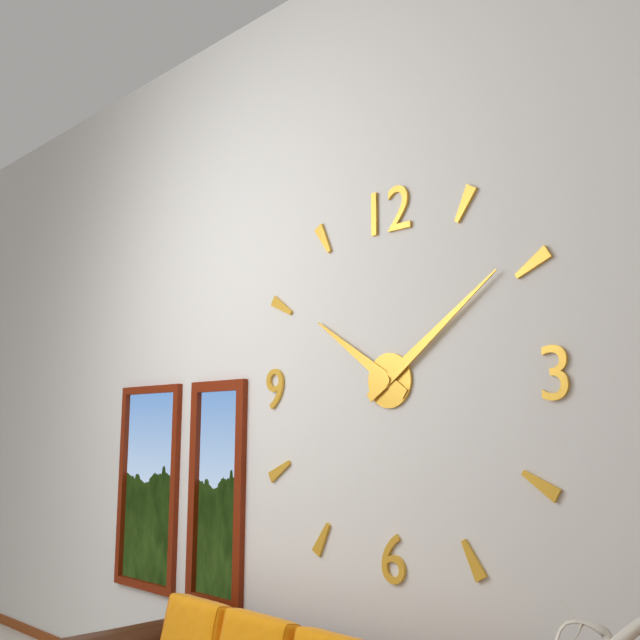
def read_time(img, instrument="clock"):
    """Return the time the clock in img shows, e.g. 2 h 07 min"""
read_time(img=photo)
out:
10 h 09 min
